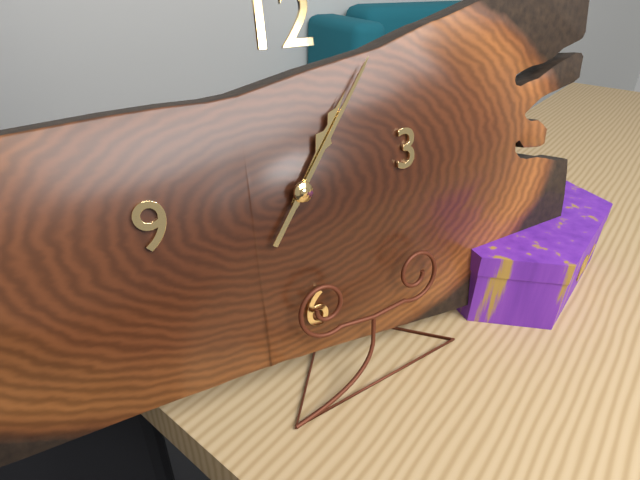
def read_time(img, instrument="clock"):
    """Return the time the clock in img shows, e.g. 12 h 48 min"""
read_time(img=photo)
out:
1 h 06 min
